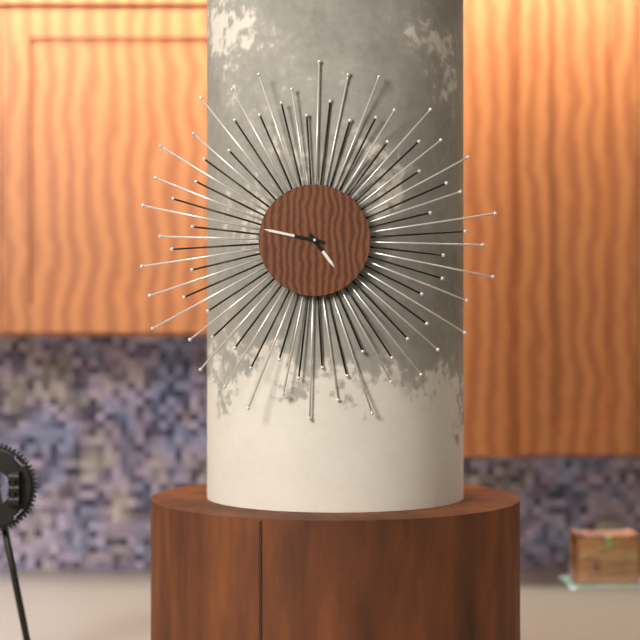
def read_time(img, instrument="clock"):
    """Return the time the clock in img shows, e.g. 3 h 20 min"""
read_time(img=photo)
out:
4 h 47 min
